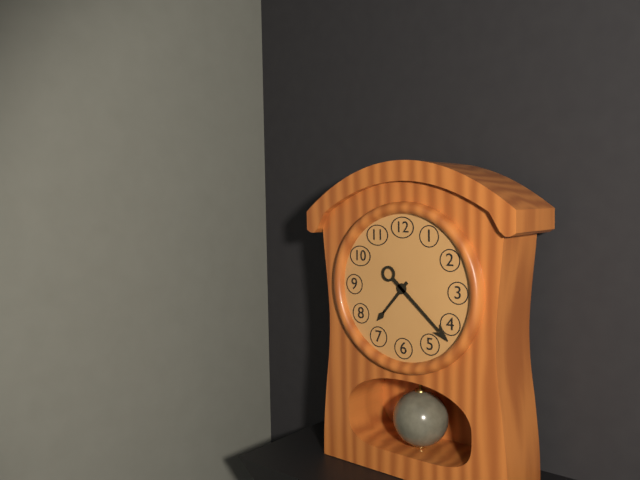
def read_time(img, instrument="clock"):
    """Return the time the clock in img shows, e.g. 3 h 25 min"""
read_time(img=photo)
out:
7 h 22 min
